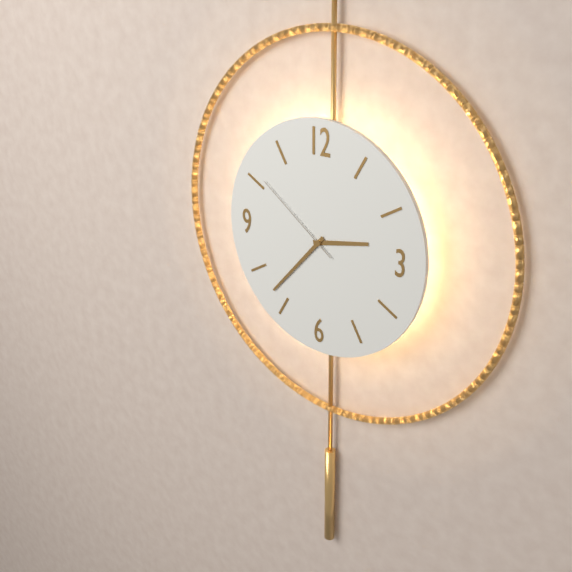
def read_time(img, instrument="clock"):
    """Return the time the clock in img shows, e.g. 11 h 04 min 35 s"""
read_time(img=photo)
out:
2 h 37 min 51 s
